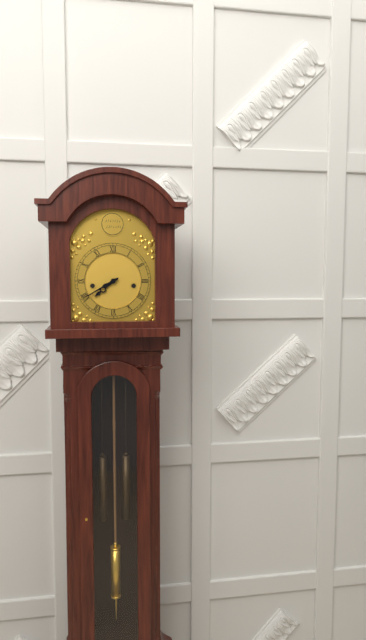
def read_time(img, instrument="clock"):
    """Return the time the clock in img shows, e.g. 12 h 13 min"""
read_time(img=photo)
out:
7 h 40 min
